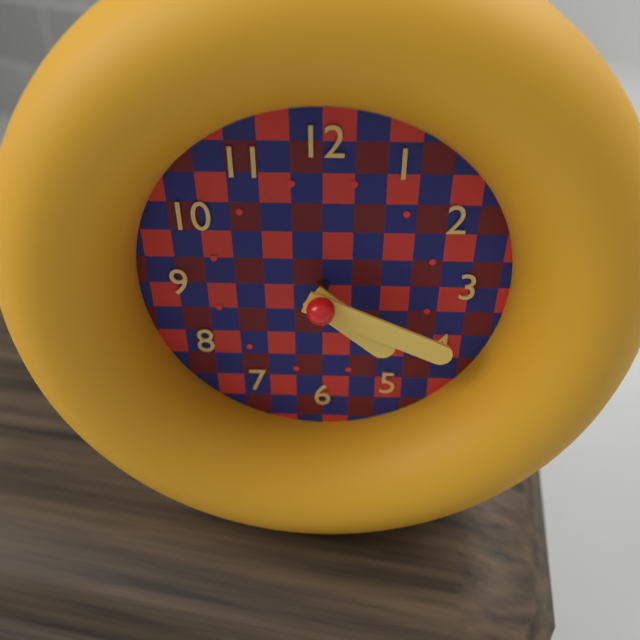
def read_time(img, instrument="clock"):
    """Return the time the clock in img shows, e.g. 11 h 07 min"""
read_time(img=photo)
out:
4 h 19 min
